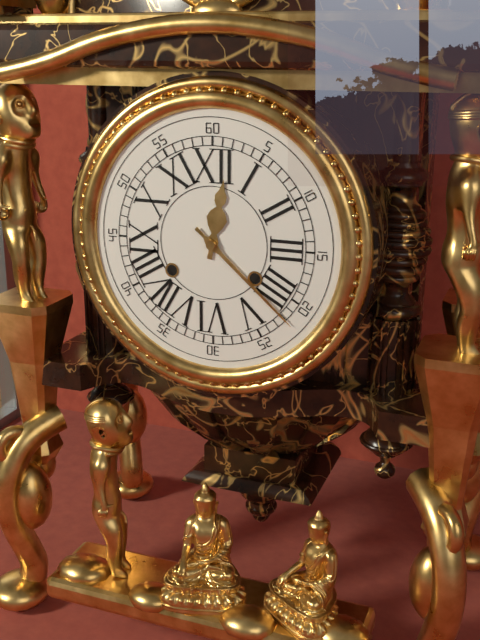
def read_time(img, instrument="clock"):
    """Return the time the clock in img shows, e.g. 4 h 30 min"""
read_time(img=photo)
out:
12 h 22 min
